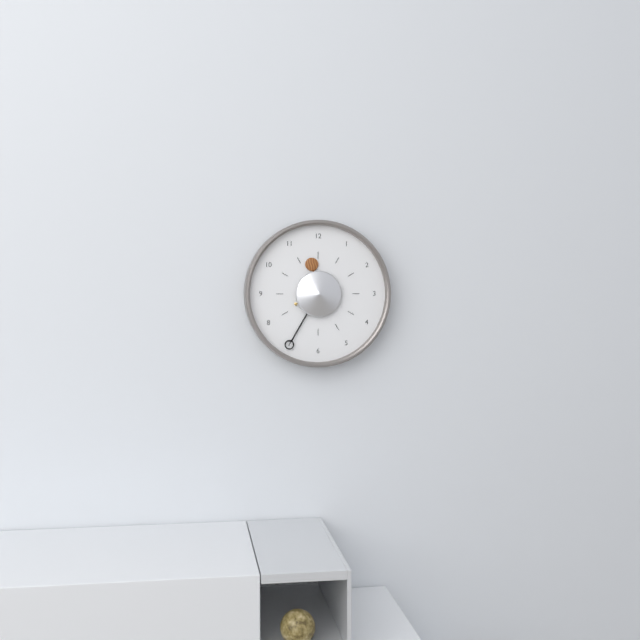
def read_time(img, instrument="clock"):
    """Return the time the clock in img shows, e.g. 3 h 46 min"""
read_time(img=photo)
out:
11 h 35 min
